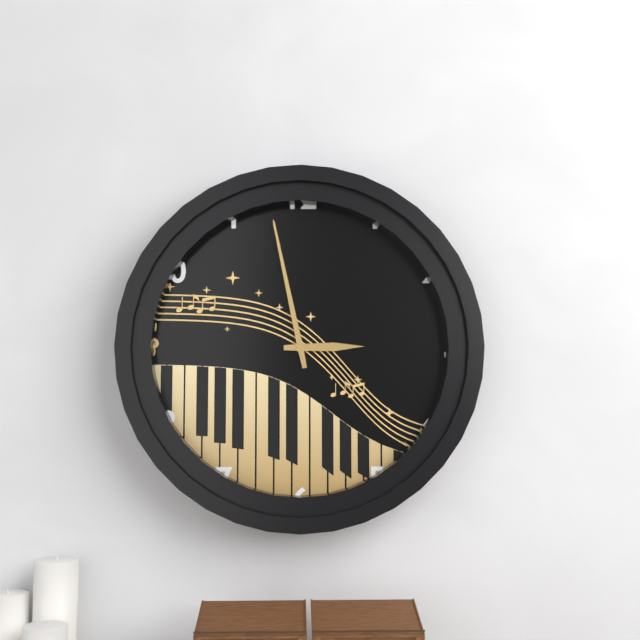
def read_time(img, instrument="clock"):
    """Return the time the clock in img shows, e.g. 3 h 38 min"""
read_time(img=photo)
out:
2 h 58 min
